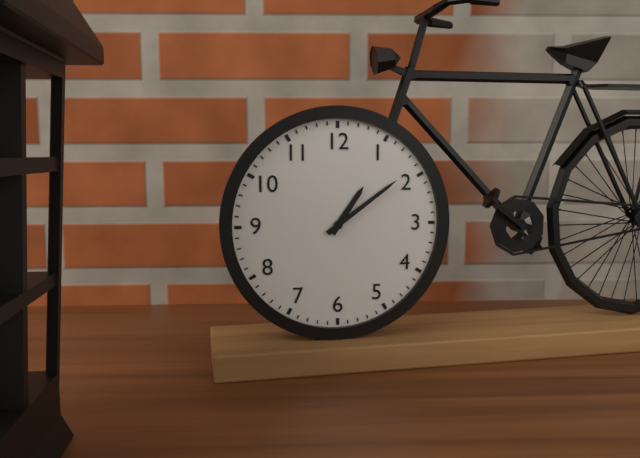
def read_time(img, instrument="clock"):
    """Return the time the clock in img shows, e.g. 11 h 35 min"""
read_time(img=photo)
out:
1 h 09 min
